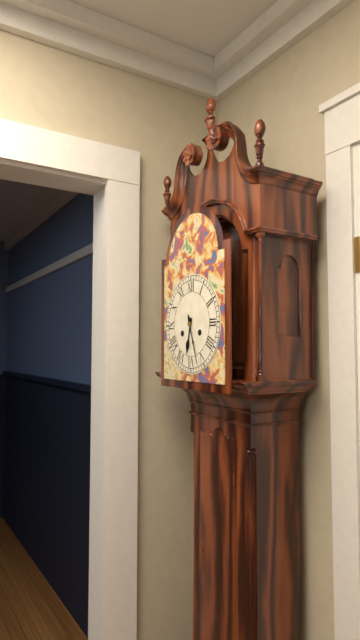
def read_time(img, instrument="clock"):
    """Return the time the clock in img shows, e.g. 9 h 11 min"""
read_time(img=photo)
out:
6 h 27 min
